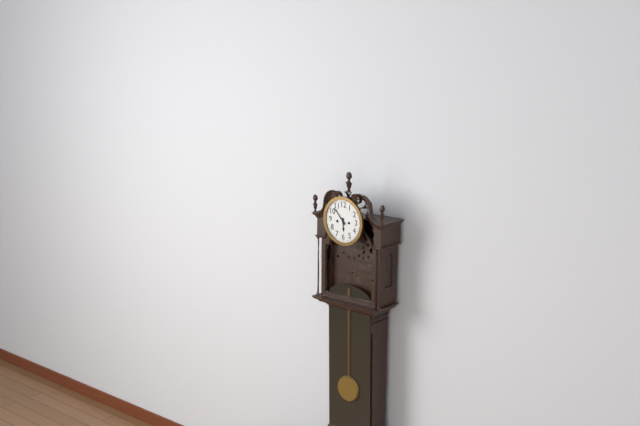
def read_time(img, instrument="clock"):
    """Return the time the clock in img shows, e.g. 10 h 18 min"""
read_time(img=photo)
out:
5 h 53 min
